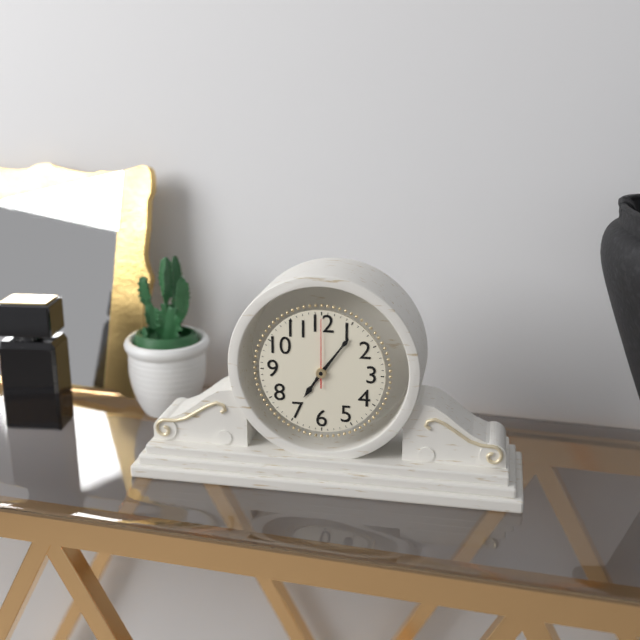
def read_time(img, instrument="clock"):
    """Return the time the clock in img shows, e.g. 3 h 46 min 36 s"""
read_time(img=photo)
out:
7 h 06 min 00 s
